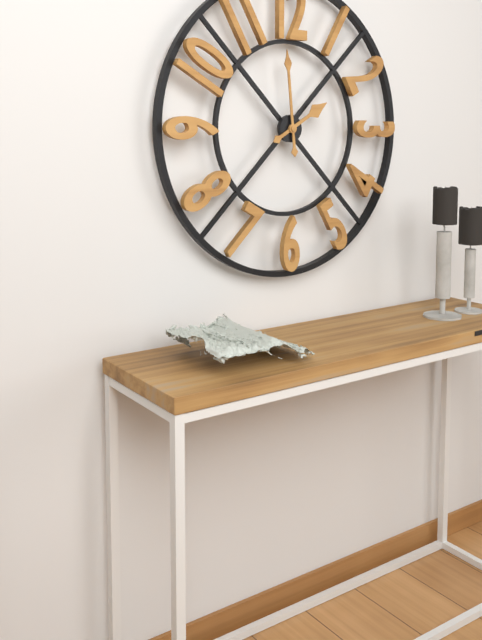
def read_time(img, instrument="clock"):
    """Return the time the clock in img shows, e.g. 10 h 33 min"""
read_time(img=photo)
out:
1 h 59 min
